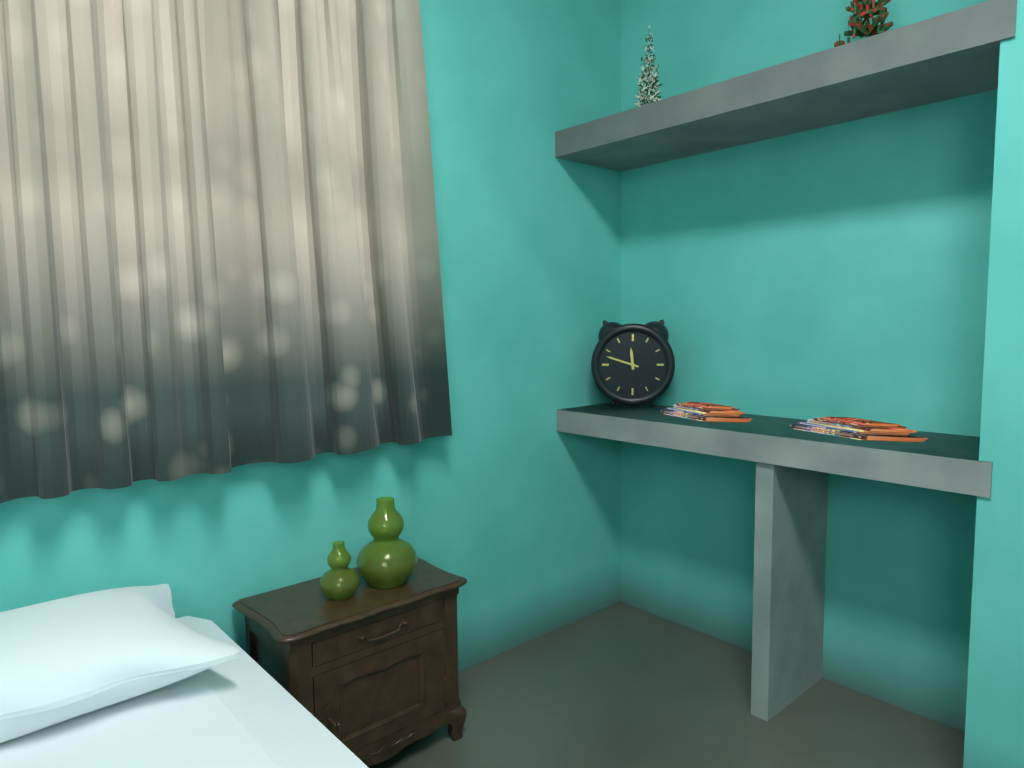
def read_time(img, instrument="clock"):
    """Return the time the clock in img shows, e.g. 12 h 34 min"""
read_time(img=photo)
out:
11 h 48 min
